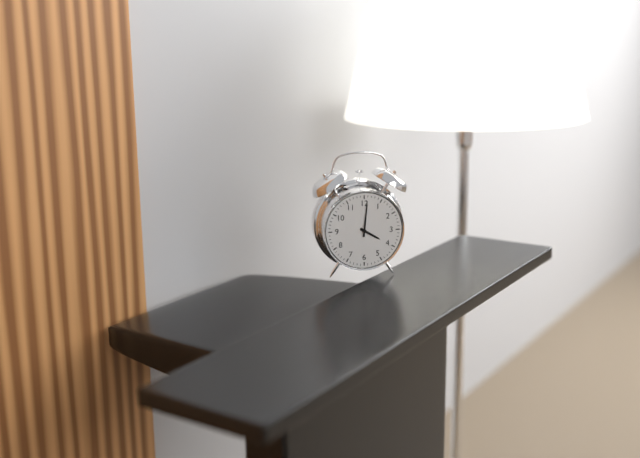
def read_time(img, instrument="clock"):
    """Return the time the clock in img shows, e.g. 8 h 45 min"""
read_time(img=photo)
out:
4 h 01 min
